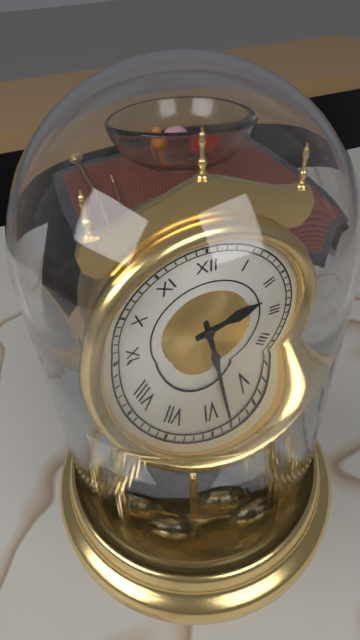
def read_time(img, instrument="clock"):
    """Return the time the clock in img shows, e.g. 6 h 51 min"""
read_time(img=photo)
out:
2 h 28 min
